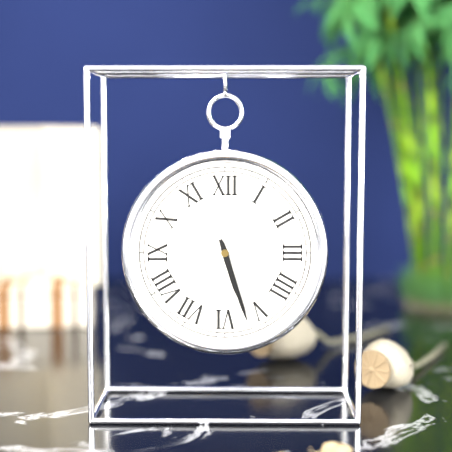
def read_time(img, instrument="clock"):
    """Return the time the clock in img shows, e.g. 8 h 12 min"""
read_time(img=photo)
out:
5 h 27 min
